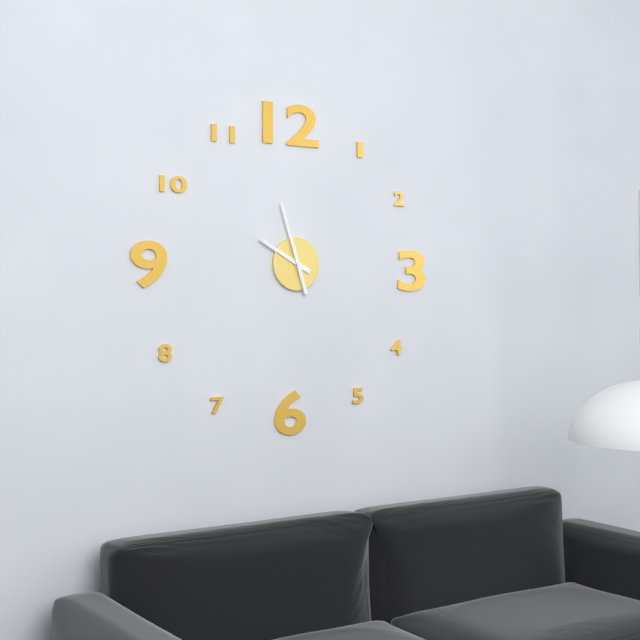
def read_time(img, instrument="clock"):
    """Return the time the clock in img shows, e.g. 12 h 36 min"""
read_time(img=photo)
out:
9 h 57 min
